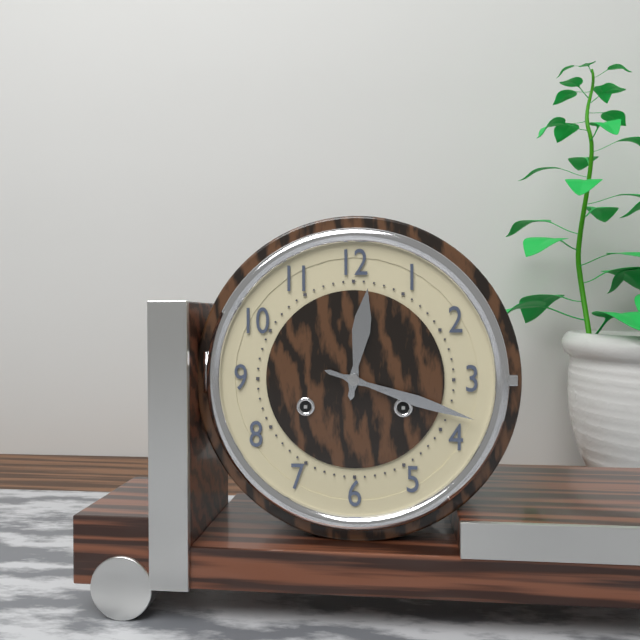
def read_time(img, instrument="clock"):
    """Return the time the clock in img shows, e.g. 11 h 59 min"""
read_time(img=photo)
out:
12 h 18 min
